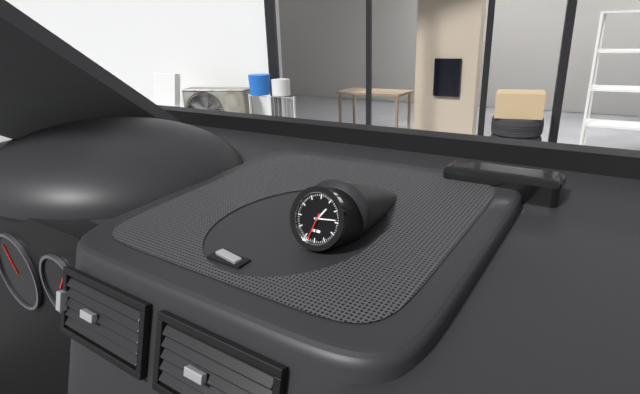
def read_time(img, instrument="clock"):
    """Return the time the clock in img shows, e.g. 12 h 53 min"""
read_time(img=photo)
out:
1 h 14 min
